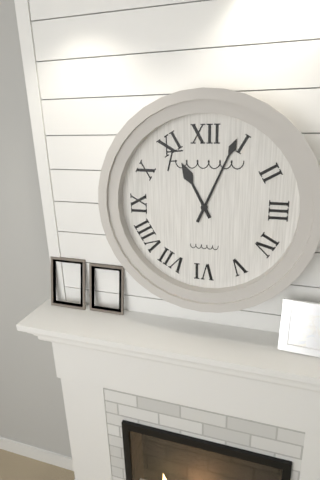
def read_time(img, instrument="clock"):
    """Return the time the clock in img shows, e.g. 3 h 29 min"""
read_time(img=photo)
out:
11 h 04 min
